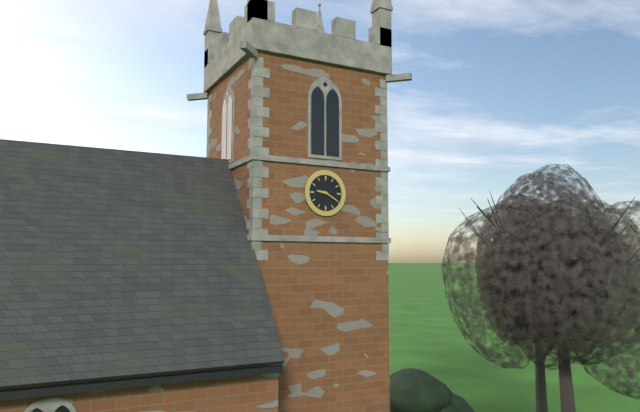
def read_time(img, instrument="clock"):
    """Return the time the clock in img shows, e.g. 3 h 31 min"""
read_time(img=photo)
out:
9 h 20 min
